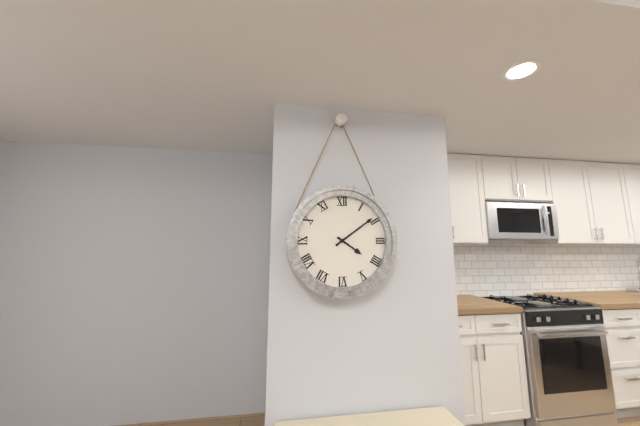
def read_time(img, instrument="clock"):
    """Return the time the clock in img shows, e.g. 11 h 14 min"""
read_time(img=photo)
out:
4 h 09 min
